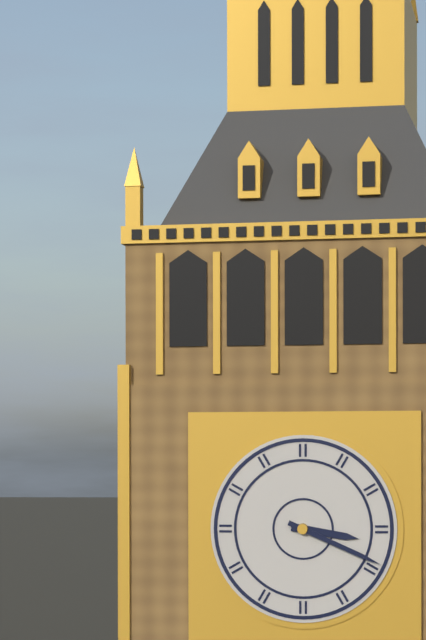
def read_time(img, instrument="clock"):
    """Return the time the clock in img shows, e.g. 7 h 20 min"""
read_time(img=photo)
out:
3 h 19 min
